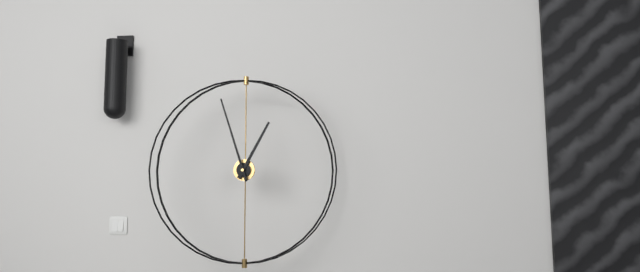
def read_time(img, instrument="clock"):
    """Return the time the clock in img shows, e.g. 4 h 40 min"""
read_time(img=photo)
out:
12 h 57 min
